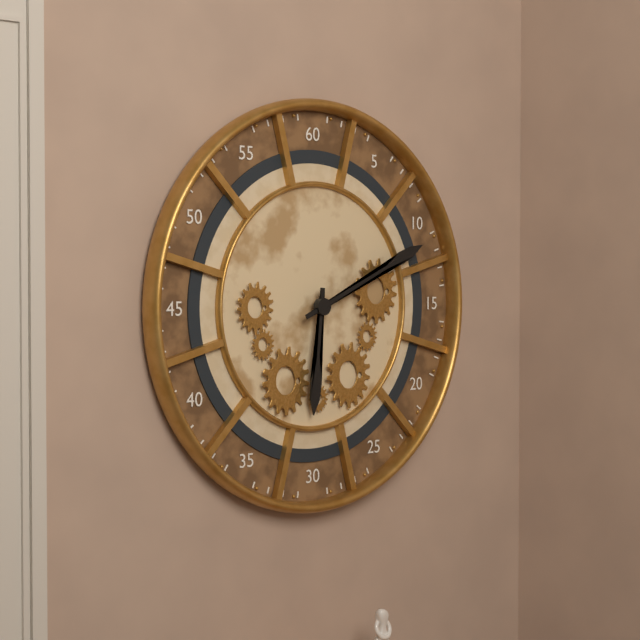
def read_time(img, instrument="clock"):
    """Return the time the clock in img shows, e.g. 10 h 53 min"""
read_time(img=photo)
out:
6 h 11 min
